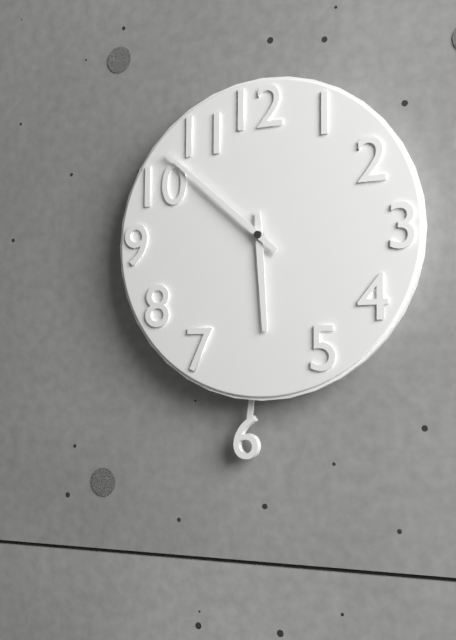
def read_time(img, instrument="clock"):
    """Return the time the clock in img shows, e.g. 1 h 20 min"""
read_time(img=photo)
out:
5 h 52 min
